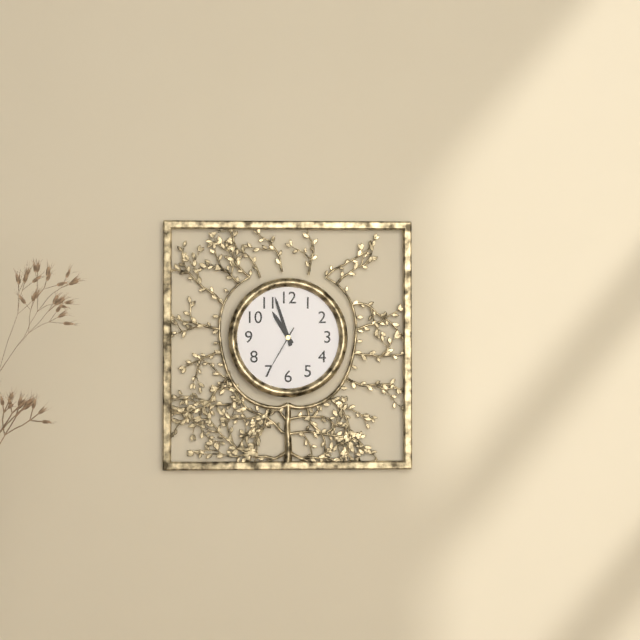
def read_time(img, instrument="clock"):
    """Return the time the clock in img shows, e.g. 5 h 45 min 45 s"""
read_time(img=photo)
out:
10 h 57 min 35 s
